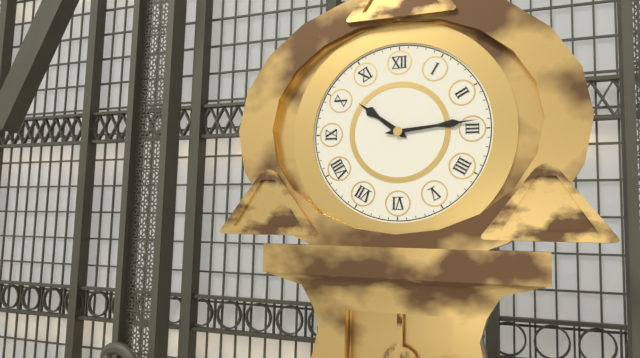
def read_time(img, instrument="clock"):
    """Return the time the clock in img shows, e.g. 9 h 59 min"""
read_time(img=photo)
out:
10 h 14 min
